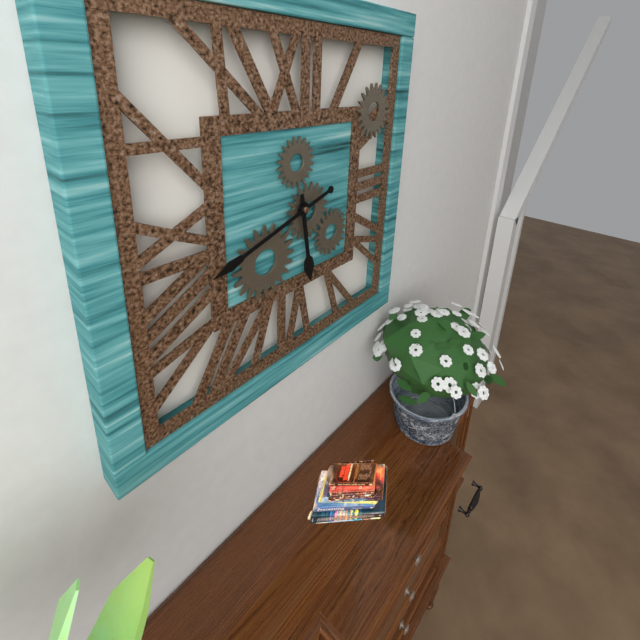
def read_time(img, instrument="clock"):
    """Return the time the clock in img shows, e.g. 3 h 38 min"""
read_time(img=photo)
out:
5 h 42 min
